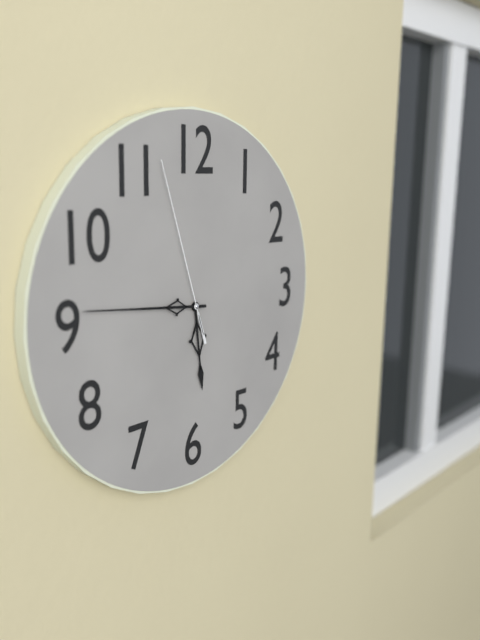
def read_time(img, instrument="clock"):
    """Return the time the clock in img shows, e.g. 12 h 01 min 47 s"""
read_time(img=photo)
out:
5 h 46 min 57 s
